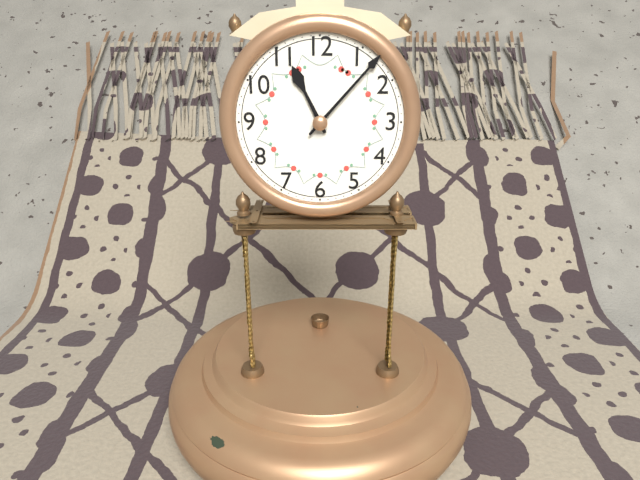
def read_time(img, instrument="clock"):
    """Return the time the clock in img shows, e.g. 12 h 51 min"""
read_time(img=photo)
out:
11 h 07 min
